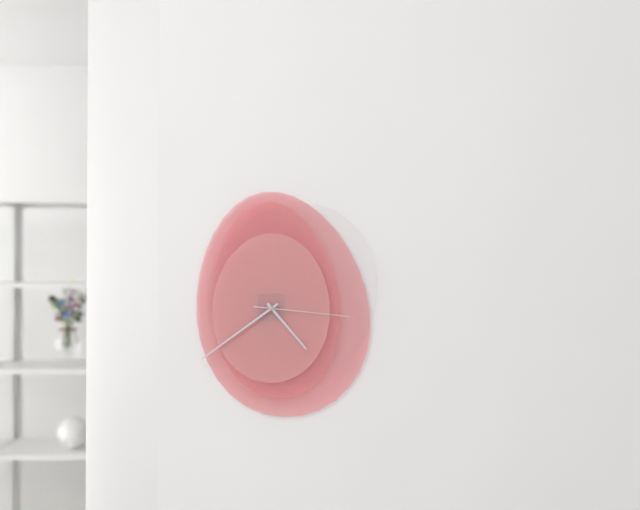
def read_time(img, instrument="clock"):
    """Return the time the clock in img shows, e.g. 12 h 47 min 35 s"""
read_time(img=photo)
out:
4 h 39 min 16 s
